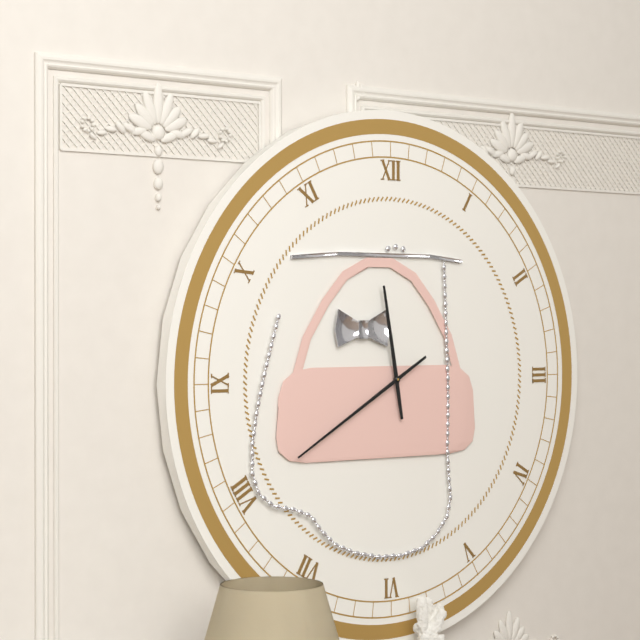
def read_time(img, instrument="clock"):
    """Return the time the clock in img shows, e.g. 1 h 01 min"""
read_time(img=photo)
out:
11 h 40 min
